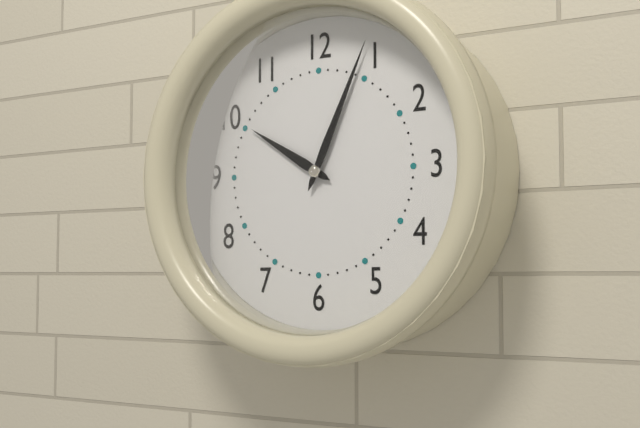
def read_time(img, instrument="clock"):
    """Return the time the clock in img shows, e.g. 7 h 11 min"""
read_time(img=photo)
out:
10 h 04 min
